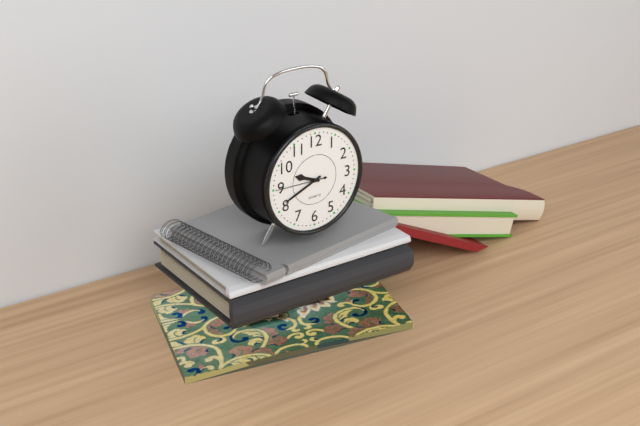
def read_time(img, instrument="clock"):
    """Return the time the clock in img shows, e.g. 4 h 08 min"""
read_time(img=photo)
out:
9 h 41 min
